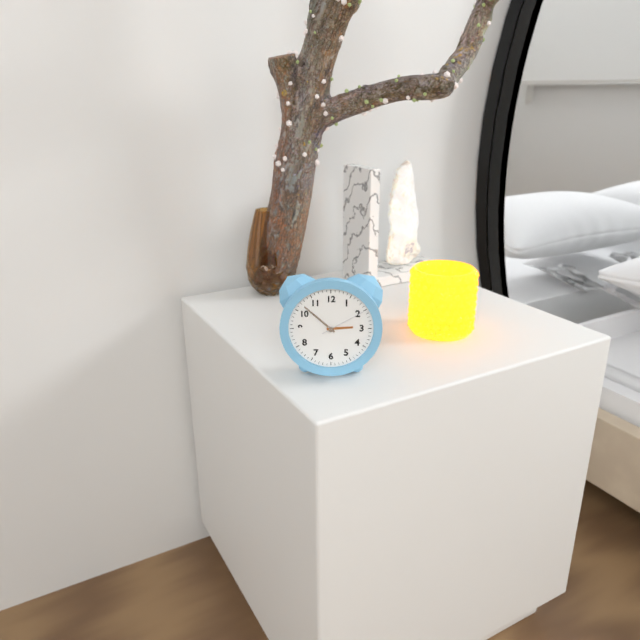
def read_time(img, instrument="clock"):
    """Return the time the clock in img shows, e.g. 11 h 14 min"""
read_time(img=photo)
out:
2 h 52 min
